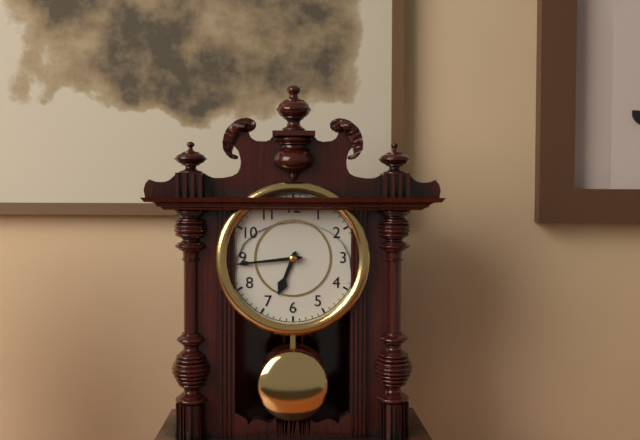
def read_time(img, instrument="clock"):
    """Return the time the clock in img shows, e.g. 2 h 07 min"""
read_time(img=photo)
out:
6 h 44 min
